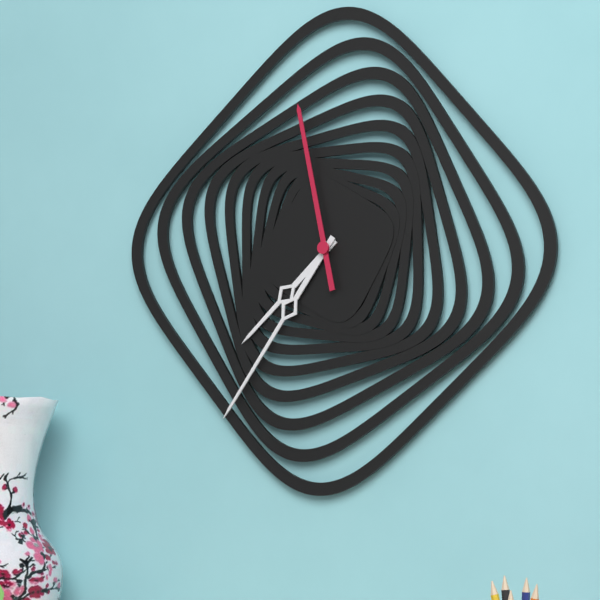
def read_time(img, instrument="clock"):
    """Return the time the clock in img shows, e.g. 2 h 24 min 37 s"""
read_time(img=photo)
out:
7 h 36 min 58 s
